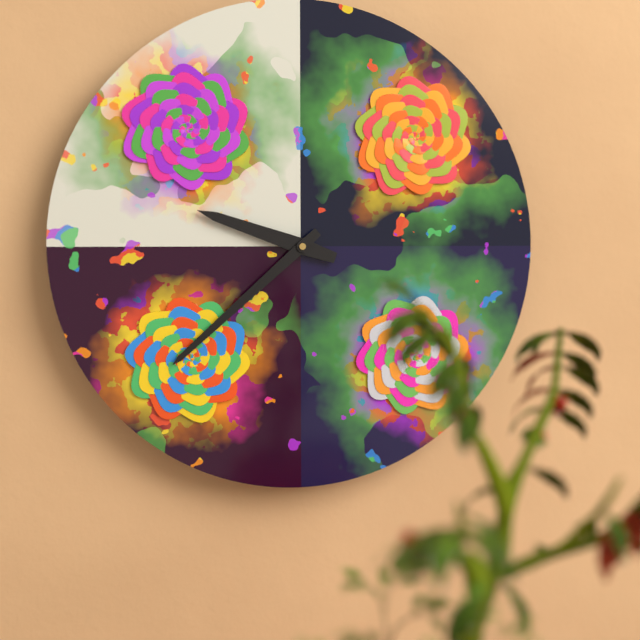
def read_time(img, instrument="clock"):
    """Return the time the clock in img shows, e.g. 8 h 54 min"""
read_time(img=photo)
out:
9 h 38 min
